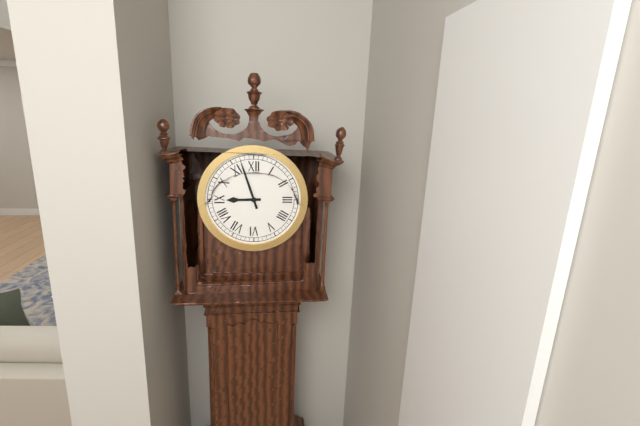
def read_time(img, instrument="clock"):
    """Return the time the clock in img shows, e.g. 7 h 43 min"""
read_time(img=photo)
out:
8 h 57 min
